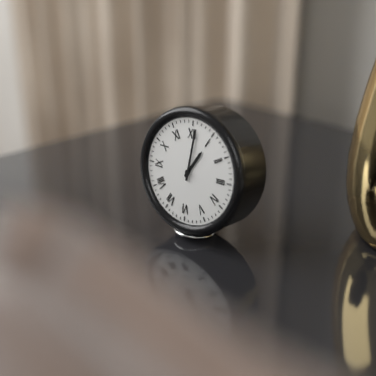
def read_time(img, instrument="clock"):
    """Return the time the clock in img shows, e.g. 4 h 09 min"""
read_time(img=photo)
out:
1 h 01 min
